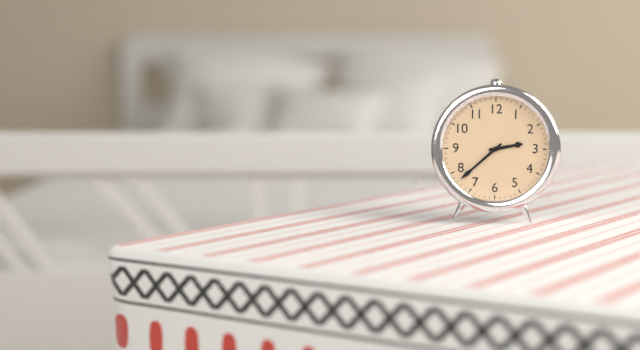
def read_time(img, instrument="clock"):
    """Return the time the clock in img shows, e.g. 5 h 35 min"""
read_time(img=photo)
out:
2 h 38 min
